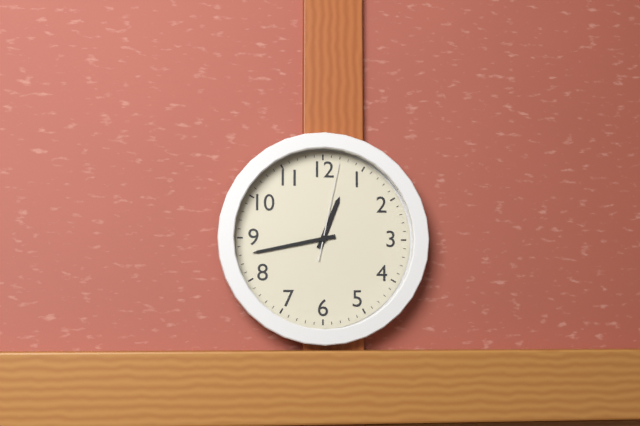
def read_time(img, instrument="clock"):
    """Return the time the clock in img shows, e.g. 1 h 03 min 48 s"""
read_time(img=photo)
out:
12 h 43 min 02 s
